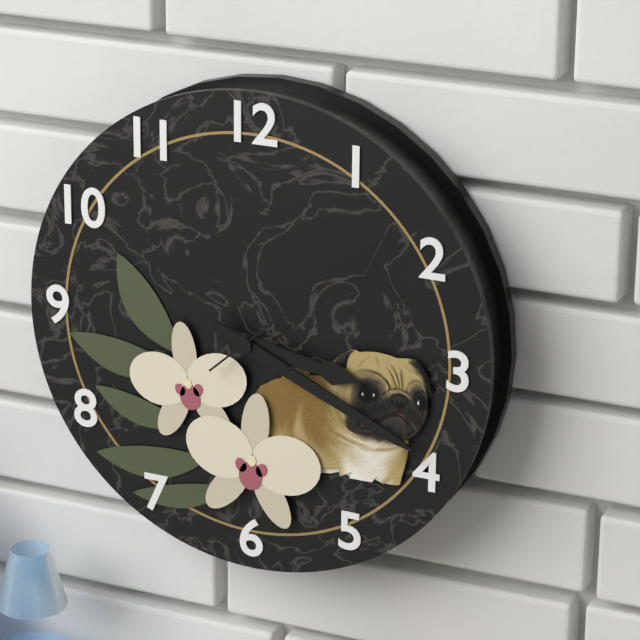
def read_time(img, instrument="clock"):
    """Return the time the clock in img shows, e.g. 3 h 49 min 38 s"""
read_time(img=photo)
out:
3 h 19 min 08 s
